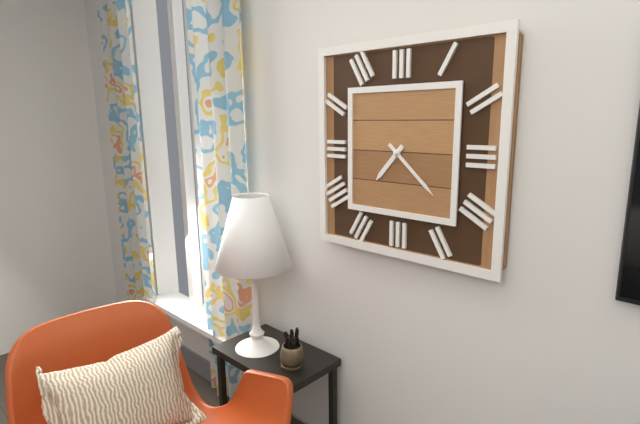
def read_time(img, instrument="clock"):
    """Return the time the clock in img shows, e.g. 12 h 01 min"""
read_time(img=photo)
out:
7 h 22 min
